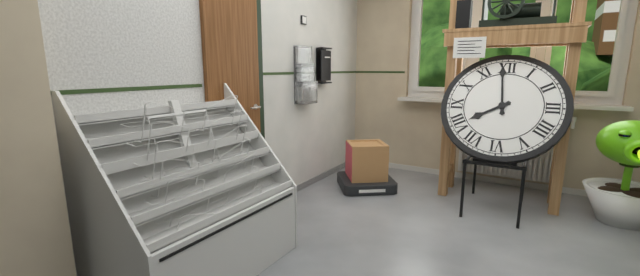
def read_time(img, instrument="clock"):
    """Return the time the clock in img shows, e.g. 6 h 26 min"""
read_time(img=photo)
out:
7 h 59 min
